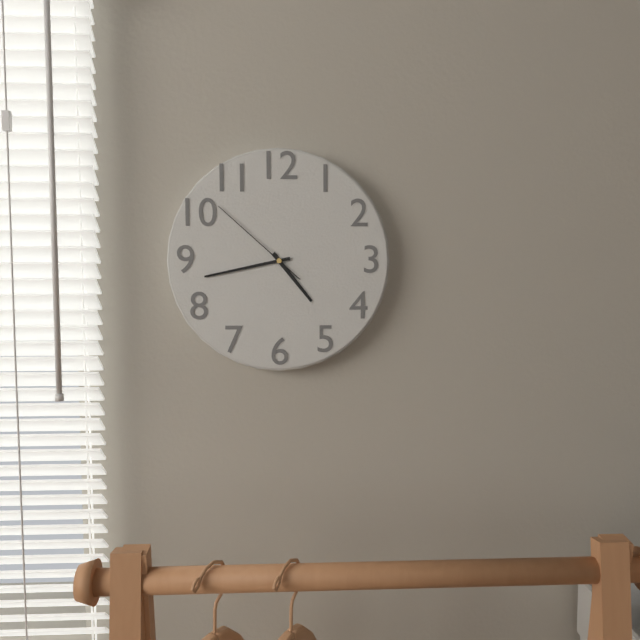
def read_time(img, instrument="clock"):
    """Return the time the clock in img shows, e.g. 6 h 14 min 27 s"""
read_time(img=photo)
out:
4 h 43 min 52 s
